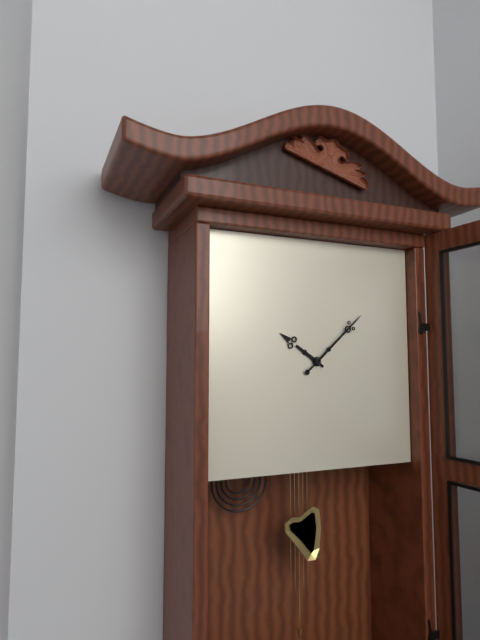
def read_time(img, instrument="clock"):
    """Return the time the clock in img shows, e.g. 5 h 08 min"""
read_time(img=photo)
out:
10 h 08 min
